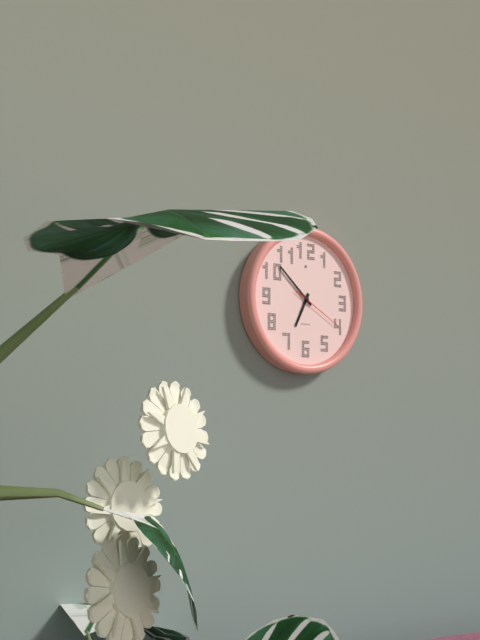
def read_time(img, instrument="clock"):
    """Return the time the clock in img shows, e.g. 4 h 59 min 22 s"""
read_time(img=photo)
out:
6 h 52 min 20 s
